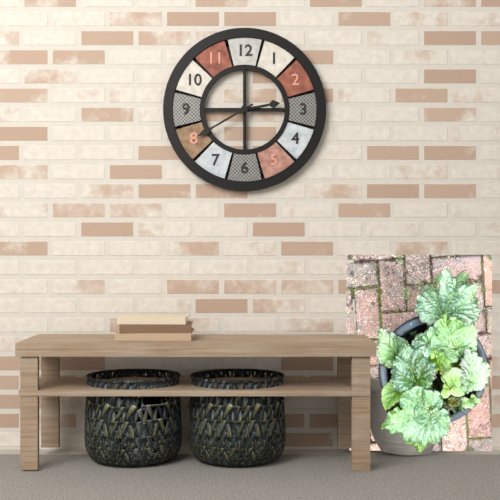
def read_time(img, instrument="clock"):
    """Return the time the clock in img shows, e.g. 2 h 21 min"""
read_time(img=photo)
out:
2 h 40 min
